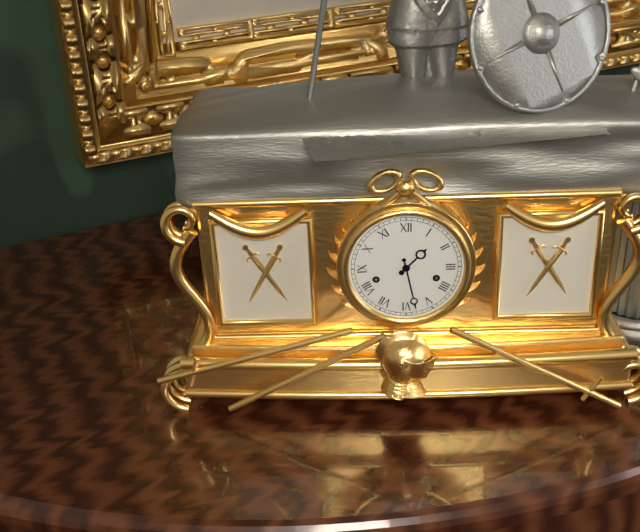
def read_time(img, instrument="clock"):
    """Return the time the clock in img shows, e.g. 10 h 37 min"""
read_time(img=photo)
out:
1 h 28 min
